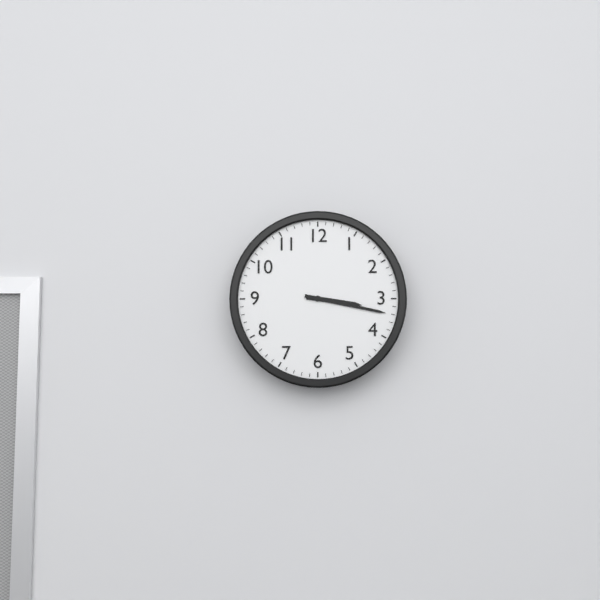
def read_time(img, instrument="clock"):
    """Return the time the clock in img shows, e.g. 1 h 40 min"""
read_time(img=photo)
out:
3 h 17 min
